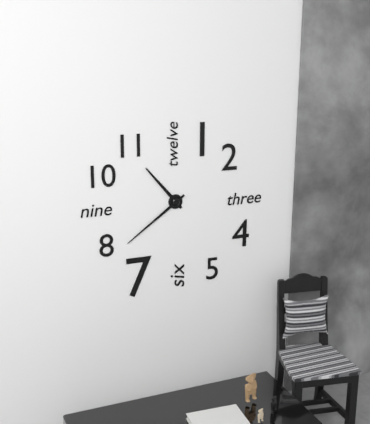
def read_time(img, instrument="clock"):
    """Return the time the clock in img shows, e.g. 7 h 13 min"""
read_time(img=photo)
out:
10 h 39 min
